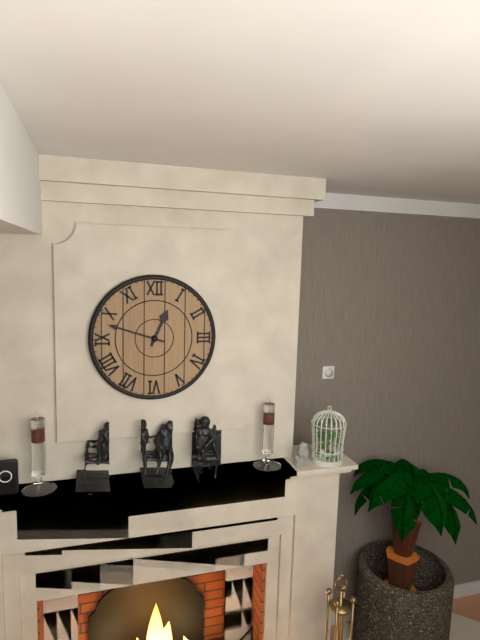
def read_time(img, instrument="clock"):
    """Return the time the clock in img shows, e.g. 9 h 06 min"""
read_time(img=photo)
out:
12 h 48 min
